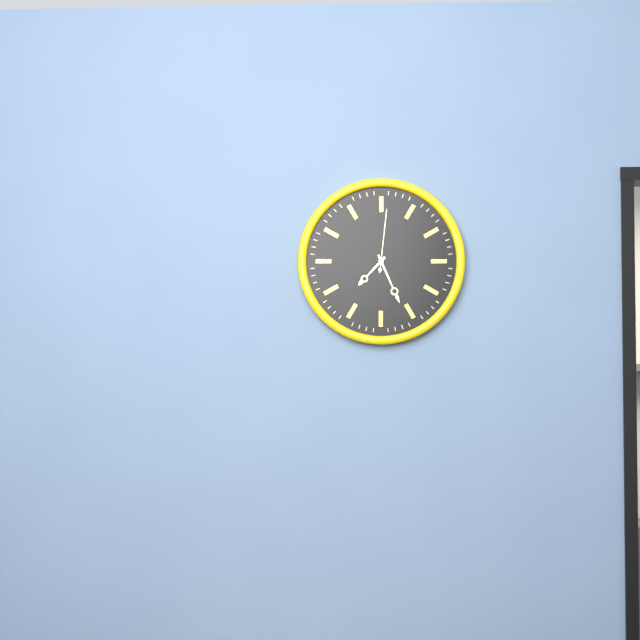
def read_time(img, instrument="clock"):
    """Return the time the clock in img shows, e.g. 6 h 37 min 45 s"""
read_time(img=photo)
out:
7 h 26 min 01 s
